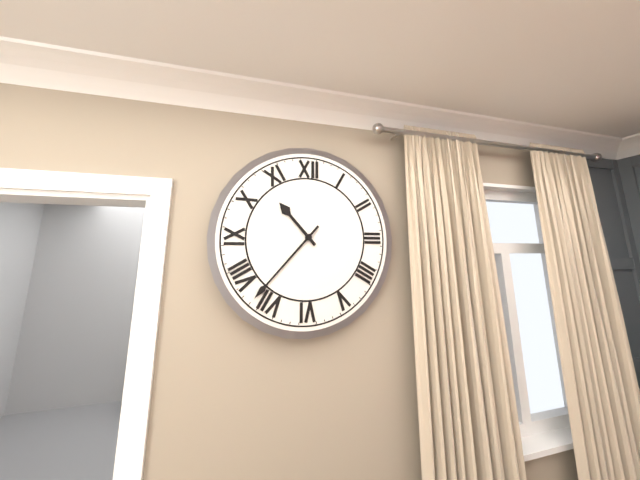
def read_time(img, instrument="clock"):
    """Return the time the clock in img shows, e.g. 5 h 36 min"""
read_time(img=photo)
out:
10 h 37 min
